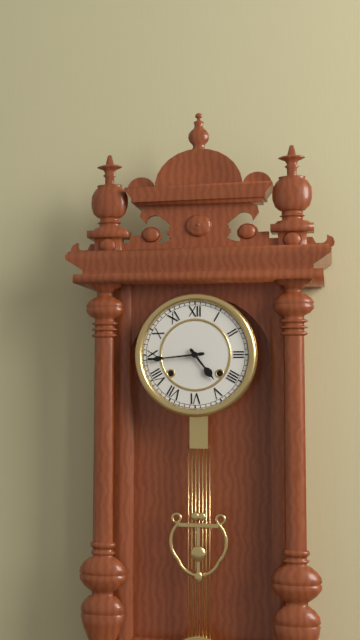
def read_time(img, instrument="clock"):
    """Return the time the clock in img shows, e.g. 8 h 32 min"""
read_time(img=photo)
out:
4 h 44 min
